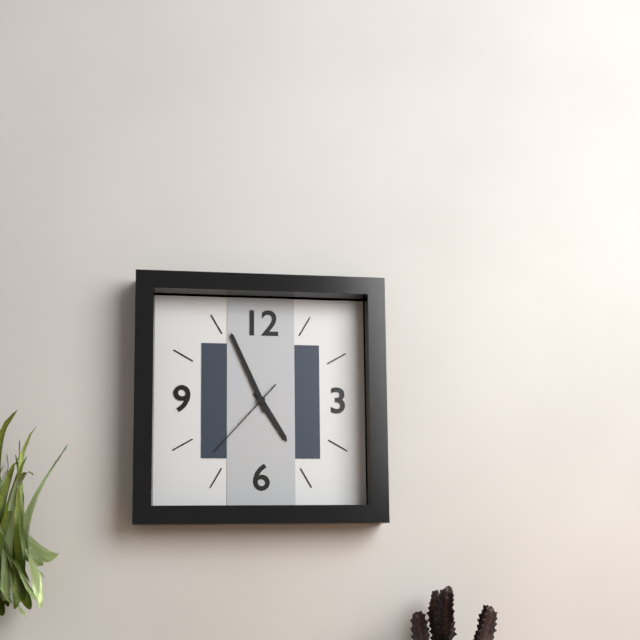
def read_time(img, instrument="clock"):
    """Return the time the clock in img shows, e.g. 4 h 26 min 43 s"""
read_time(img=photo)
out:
4 h 56 min 37 s
